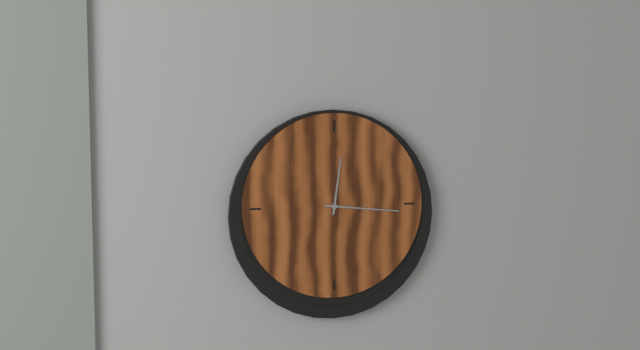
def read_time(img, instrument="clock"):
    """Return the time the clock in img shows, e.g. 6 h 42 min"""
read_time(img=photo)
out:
12 h 16 min
